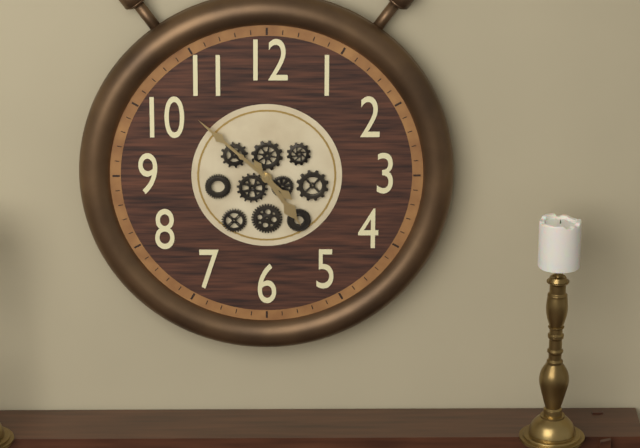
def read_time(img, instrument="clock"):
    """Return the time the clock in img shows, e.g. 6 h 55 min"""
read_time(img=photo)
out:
4 h 52 min
